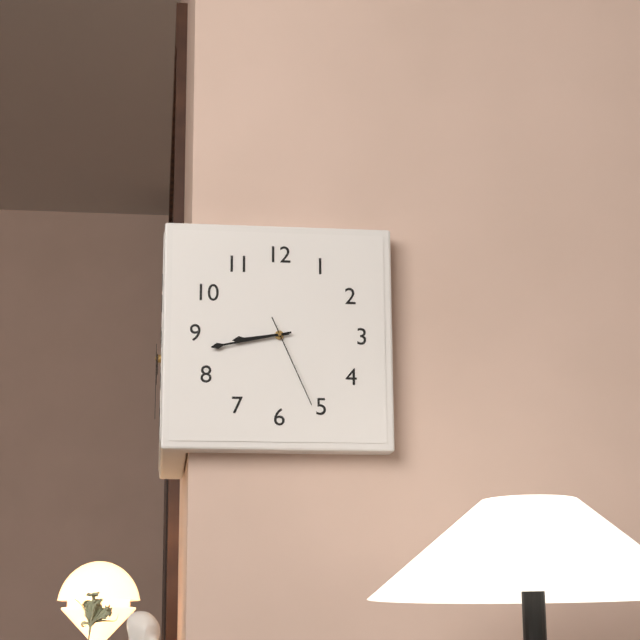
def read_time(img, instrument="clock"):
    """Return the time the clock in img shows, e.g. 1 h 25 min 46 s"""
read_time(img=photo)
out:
8 h 43 min 26 s
